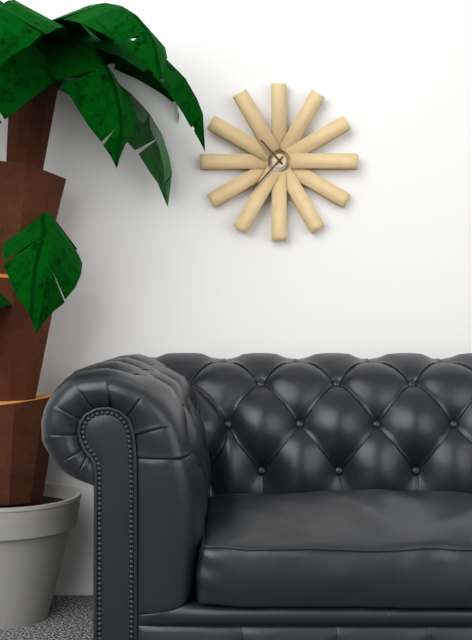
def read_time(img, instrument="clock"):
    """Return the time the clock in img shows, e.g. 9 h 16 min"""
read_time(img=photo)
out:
10 h 37 min
